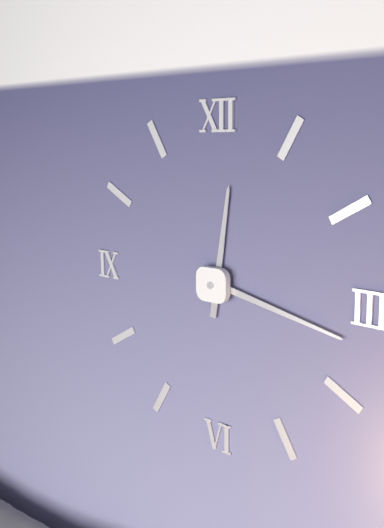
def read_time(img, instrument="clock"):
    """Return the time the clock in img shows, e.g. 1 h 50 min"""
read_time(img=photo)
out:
12 h 17 min
